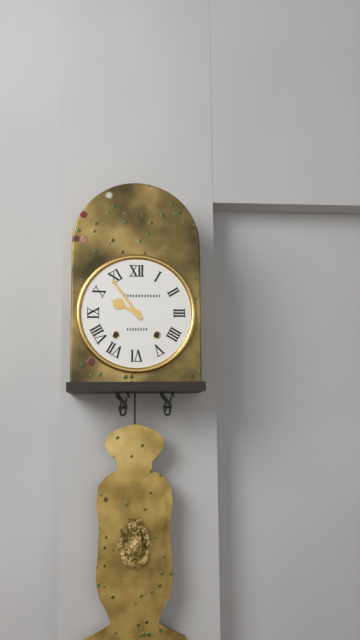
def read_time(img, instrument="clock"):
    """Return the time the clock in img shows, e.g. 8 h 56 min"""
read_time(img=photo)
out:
9 h 54 min
